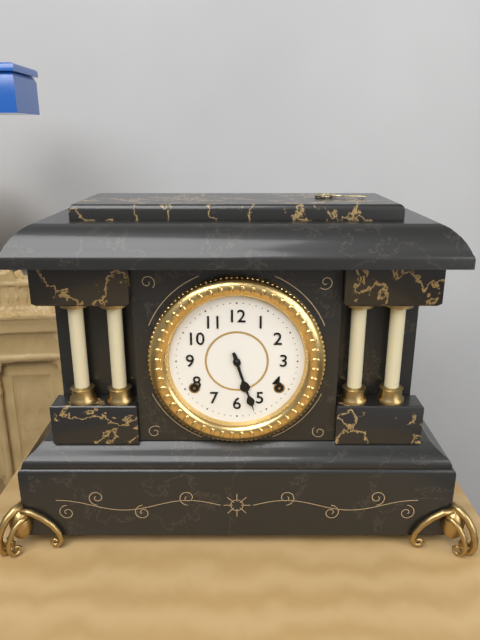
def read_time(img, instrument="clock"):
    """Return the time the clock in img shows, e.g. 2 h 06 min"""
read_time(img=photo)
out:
5 h 27 min
